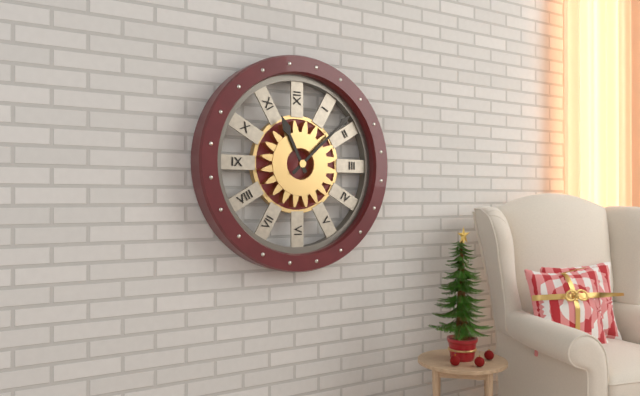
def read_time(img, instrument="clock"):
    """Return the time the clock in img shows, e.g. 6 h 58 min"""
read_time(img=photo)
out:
11 h 08 min
